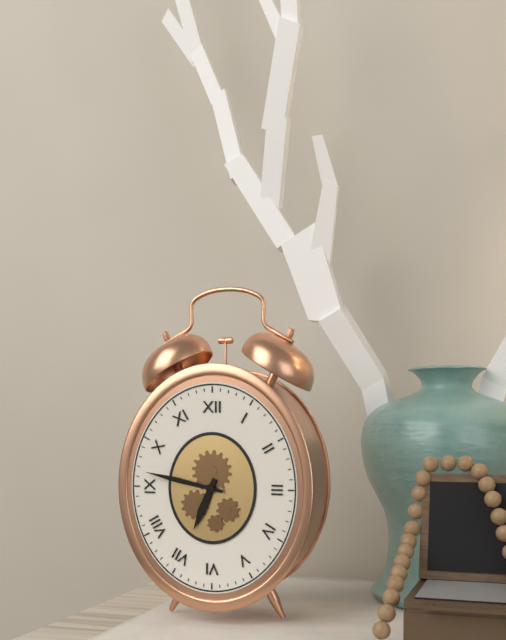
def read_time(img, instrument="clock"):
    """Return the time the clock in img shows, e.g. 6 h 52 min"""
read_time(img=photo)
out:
6 h 47 min
